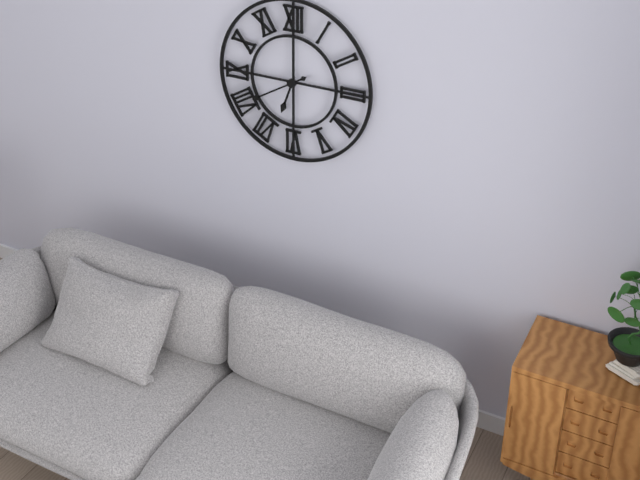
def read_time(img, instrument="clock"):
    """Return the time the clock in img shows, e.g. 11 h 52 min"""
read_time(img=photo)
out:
6 h 40 min
